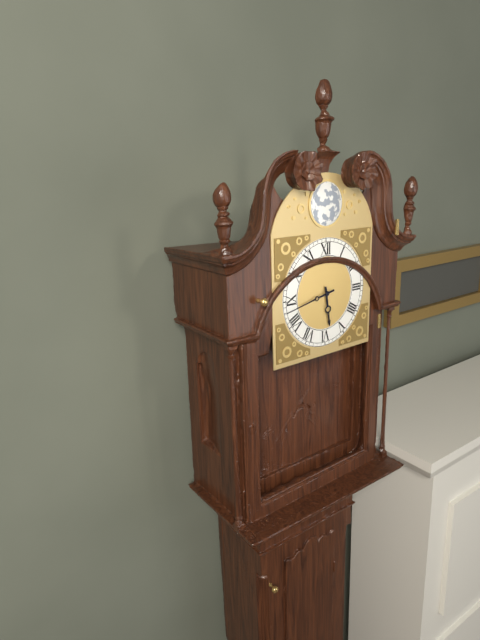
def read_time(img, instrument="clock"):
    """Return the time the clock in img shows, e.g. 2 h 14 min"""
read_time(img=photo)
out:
5 h 43 min
